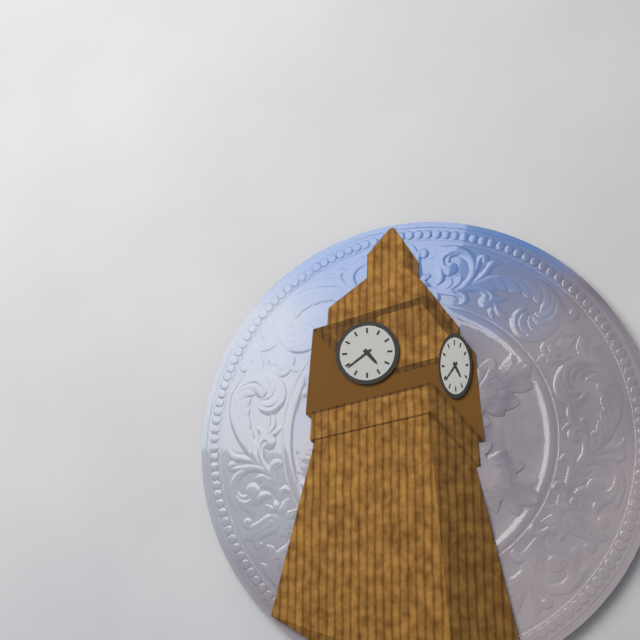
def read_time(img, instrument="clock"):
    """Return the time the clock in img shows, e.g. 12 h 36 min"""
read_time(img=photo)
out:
4 h 39 min
